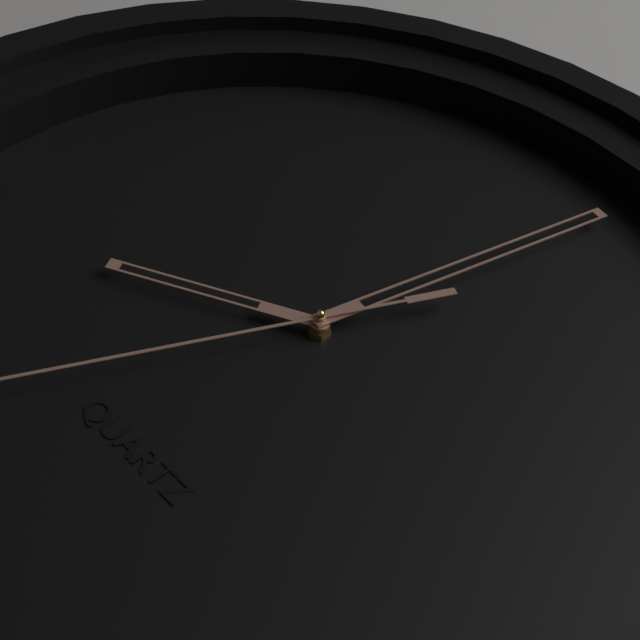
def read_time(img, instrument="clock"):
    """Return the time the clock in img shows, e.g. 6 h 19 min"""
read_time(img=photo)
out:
8 h 02 min
